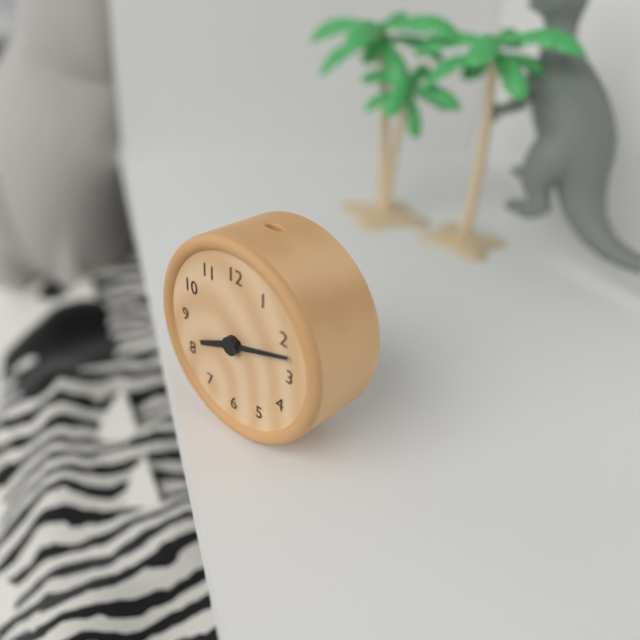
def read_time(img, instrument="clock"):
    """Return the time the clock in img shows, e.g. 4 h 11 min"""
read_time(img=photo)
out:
8 h 12 min
